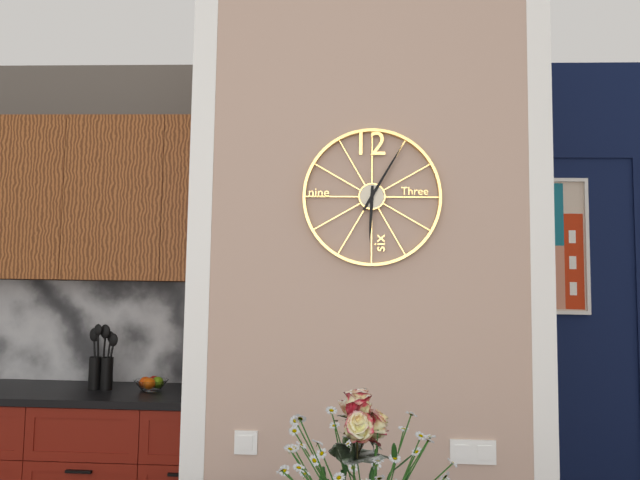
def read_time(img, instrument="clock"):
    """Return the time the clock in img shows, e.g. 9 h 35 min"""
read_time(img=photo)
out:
6 h 05 min
